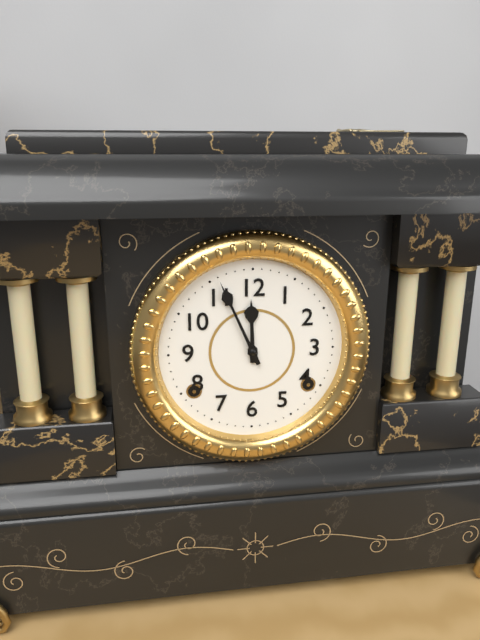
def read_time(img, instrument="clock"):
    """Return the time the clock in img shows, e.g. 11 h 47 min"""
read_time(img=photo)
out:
11 h 56 min
